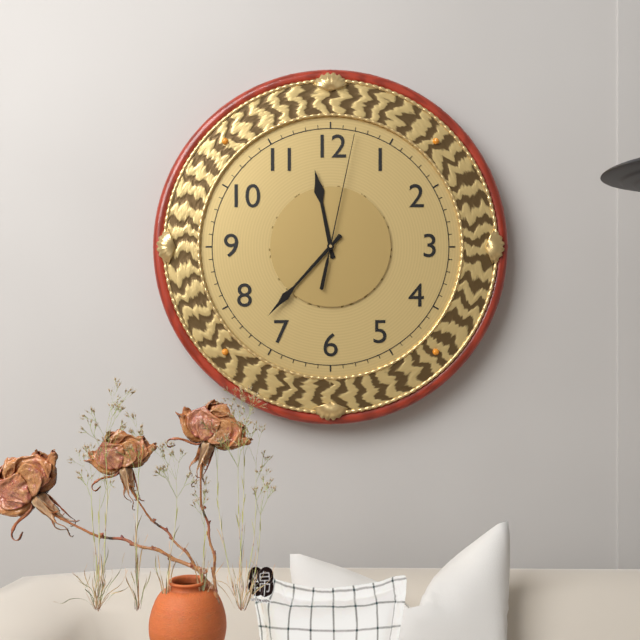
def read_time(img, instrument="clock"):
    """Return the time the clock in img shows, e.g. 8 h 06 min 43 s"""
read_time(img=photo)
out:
11 h 37 min 02 s
